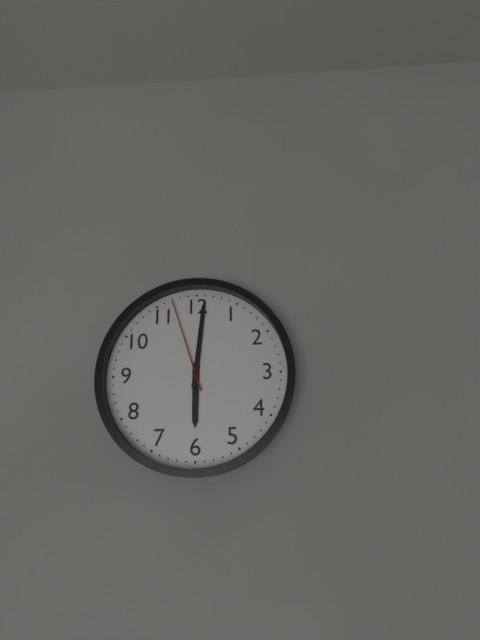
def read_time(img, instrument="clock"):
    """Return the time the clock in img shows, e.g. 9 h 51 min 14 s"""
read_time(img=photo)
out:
6 h 01 min 57 s
